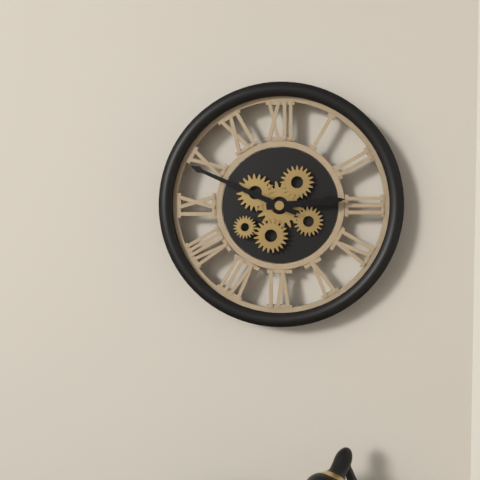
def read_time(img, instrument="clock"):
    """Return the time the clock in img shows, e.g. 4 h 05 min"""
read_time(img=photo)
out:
2 h 49 min
